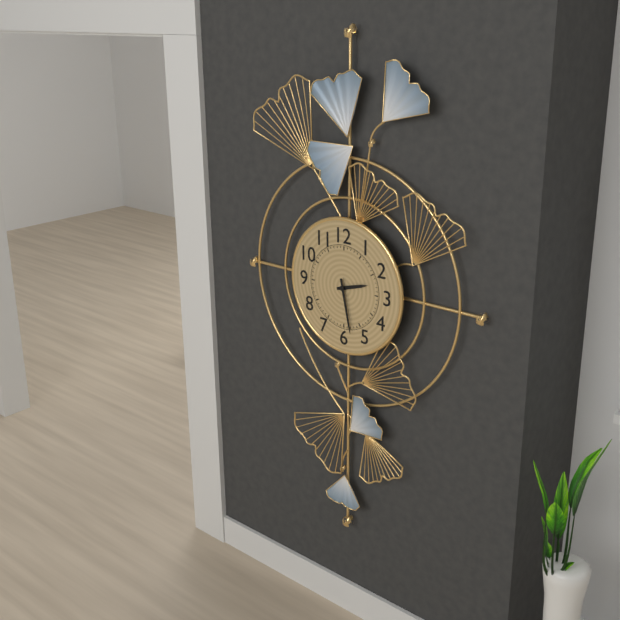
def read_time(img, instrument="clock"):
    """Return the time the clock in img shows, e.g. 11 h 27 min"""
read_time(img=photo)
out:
2 h 28 min
